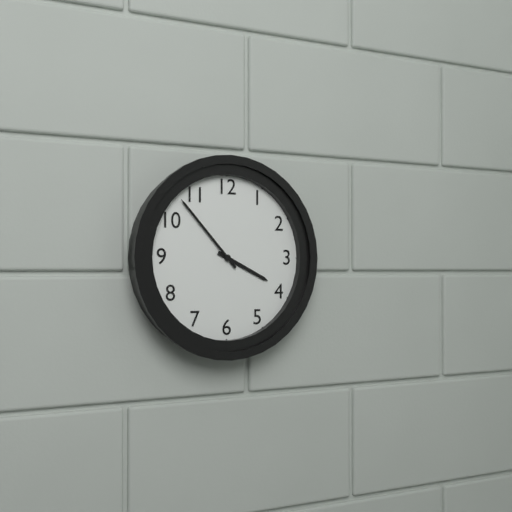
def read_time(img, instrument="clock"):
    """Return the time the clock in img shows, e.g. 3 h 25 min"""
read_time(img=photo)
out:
3 h 53 min
